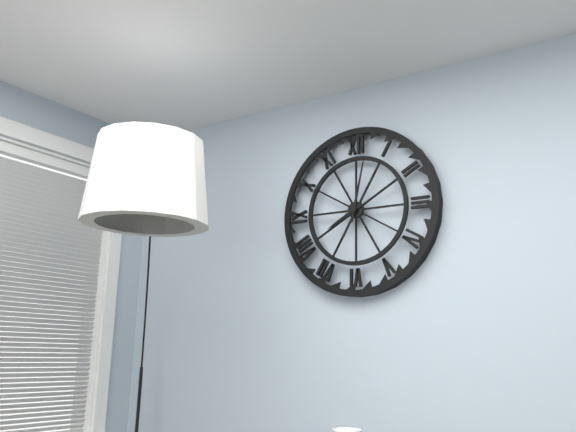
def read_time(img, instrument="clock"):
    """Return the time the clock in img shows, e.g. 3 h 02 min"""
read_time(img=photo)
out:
8 h 02 min
